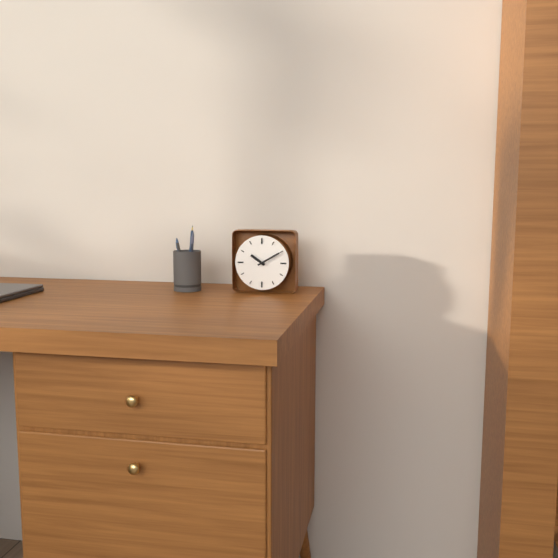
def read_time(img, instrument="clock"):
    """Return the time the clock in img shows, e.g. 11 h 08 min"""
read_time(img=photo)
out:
10 h 10 min
